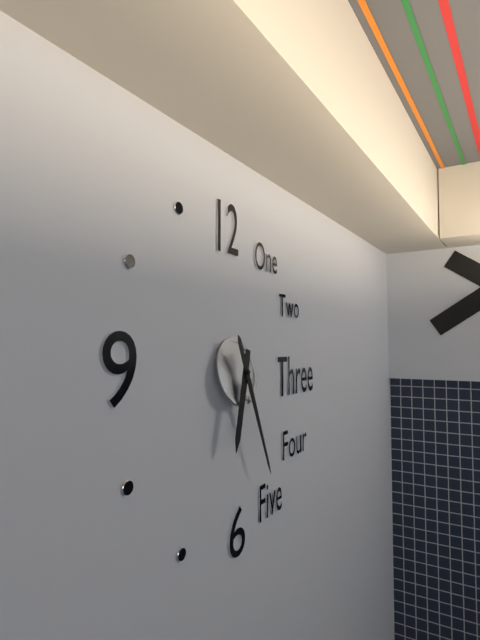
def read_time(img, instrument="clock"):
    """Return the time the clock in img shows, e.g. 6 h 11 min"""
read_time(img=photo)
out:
6 h 26 min
